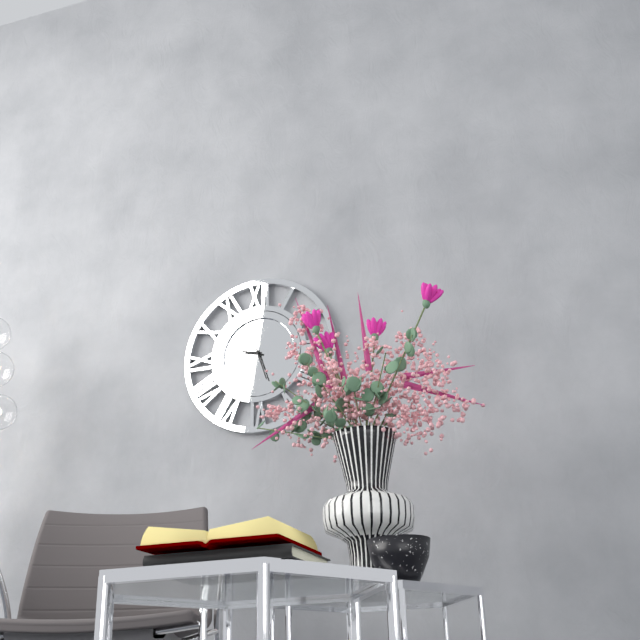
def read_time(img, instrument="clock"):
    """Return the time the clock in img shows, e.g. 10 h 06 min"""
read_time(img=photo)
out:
9 h 27 min
